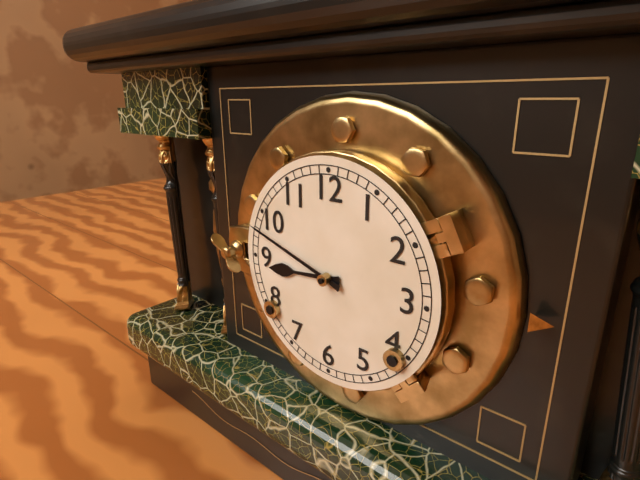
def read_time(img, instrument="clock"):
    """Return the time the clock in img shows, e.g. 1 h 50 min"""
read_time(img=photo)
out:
8 h 48 min
